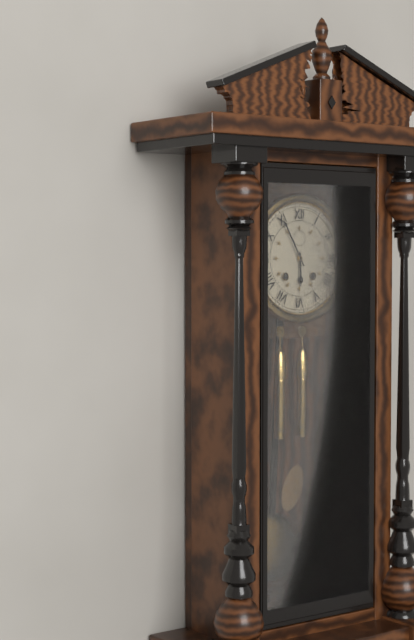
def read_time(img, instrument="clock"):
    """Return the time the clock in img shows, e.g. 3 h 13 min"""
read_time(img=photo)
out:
5 h 55 min
